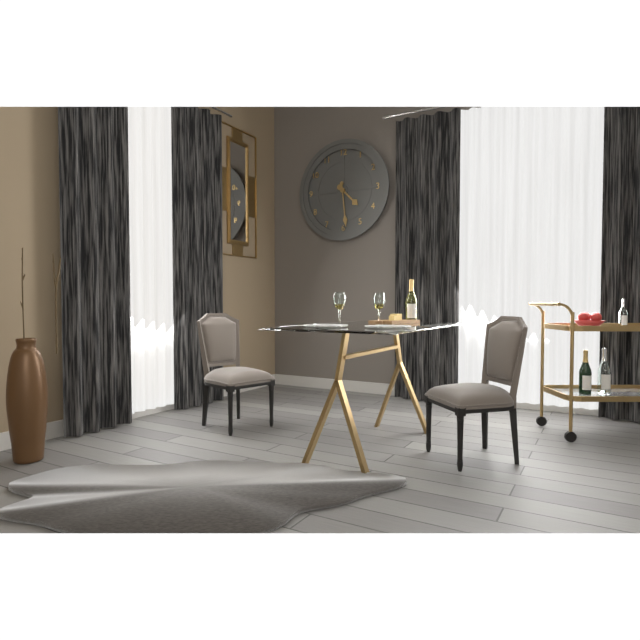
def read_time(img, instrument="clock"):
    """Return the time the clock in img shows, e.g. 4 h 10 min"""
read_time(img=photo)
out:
4 h 29 min
